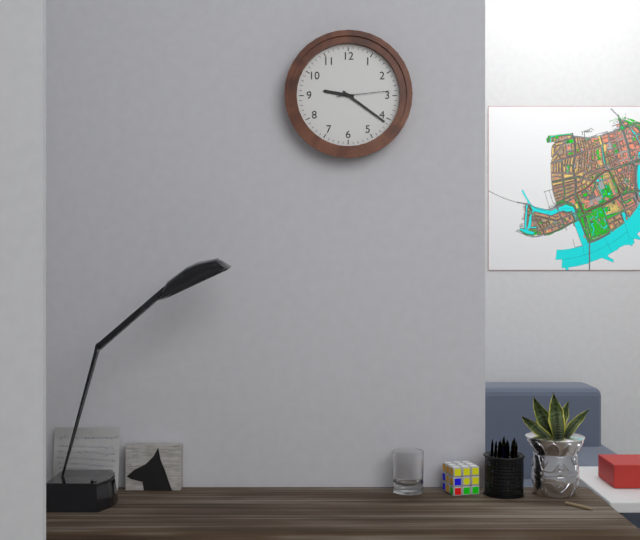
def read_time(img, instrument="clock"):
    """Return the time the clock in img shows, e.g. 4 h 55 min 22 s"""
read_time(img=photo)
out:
9 h 21 min 14 s
